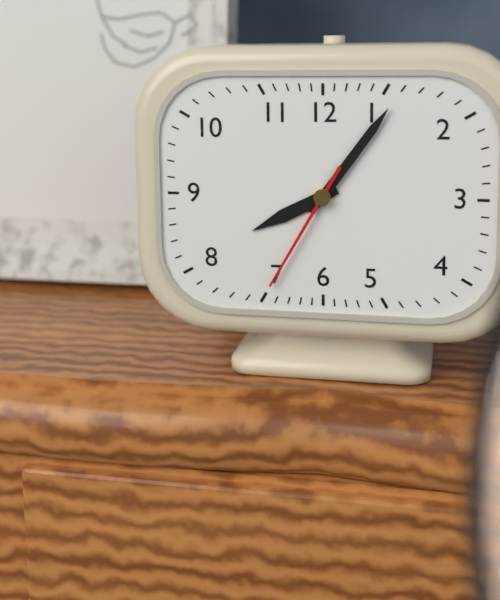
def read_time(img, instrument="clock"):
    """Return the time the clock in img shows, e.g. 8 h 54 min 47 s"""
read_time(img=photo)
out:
8 h 06 min 35 s
